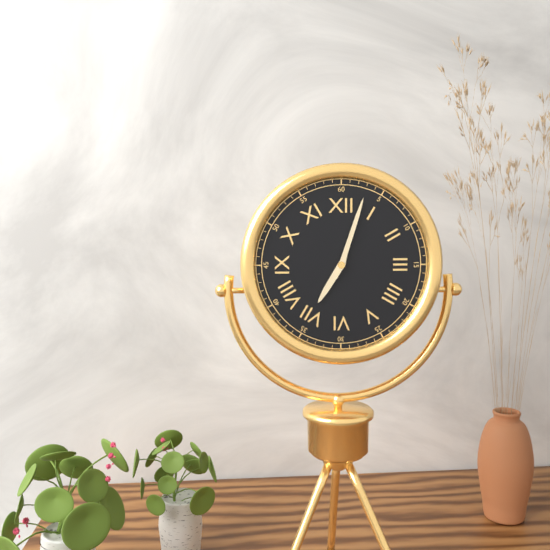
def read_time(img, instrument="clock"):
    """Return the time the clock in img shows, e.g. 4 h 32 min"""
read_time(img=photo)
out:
7 h 03 min
